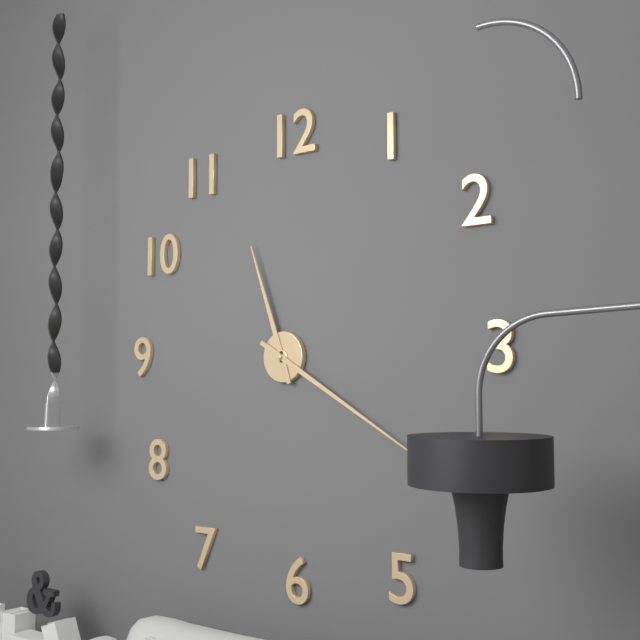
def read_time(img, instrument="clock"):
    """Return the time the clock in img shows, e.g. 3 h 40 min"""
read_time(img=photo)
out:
11 h 20 min
